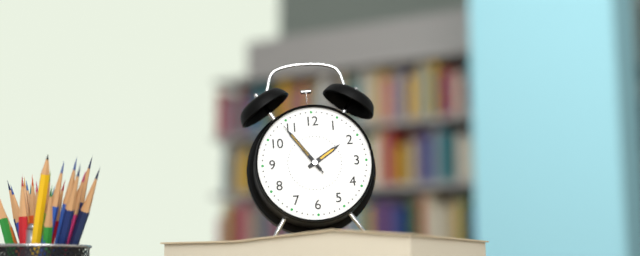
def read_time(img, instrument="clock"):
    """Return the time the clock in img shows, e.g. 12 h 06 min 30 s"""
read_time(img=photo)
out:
1 h 54 min 54 s
